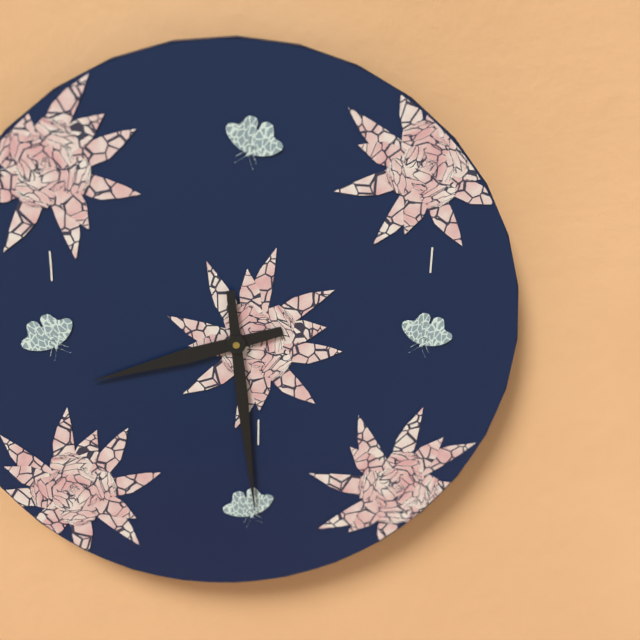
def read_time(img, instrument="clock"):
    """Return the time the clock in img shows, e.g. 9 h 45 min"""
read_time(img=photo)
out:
8 h 29 min
